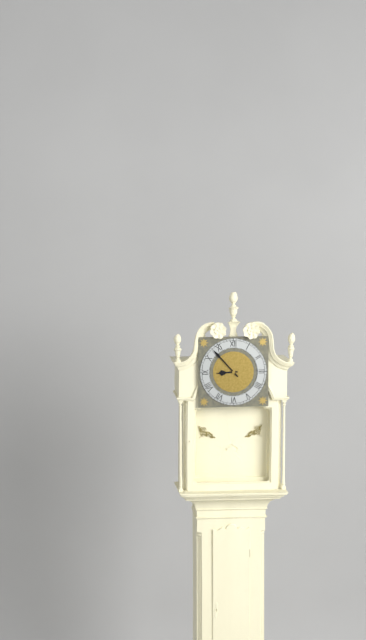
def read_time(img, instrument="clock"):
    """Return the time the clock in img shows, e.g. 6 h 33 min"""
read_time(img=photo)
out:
8 h 53 min
